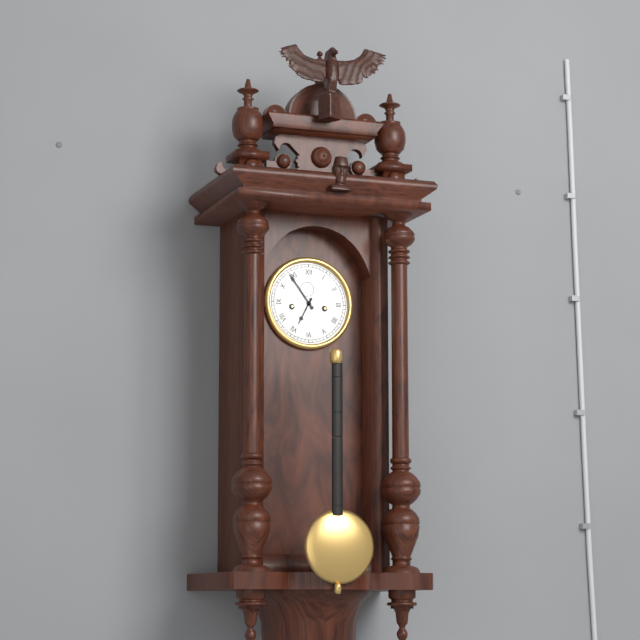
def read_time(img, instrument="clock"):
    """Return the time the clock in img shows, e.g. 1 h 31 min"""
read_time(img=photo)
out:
6 h 54 min
